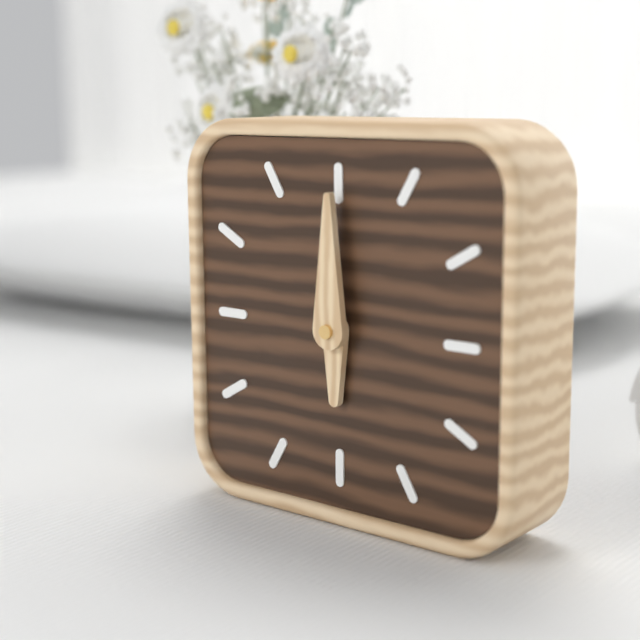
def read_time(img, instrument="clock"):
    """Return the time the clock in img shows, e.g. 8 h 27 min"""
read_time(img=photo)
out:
6 h 00 min
